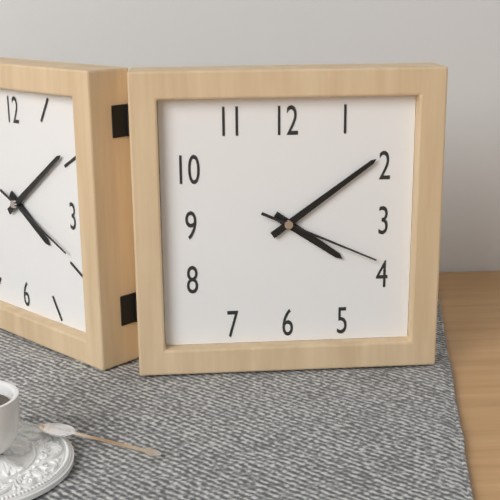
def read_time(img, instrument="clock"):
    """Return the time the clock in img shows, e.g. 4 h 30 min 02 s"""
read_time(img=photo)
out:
4 h 09 min 19 s
